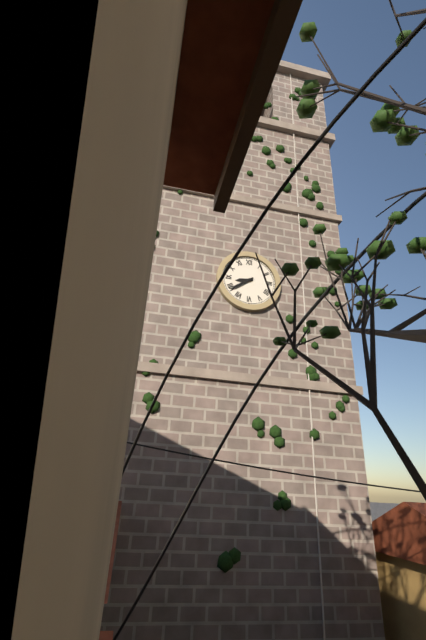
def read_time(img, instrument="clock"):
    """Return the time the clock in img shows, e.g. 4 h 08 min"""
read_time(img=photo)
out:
8 h 39 min
